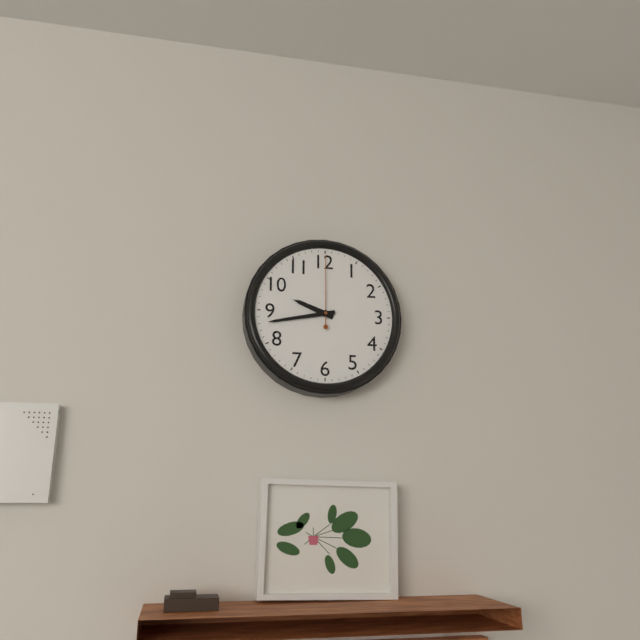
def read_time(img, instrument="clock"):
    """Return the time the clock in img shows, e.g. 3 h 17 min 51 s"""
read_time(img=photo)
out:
9 h 43 min 00 s
